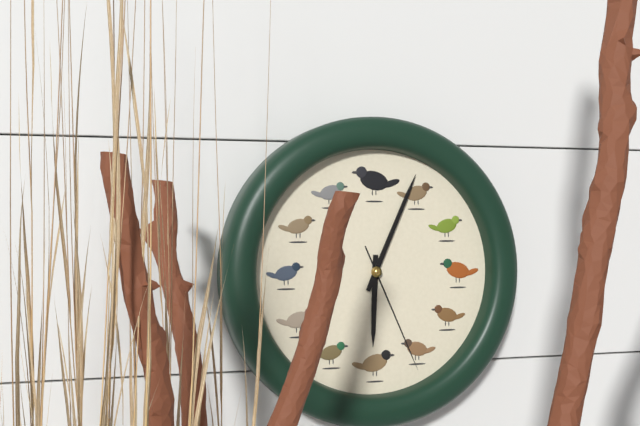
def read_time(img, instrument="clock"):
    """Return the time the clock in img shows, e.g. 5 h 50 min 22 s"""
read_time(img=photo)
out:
6 h 04 min 26 s
